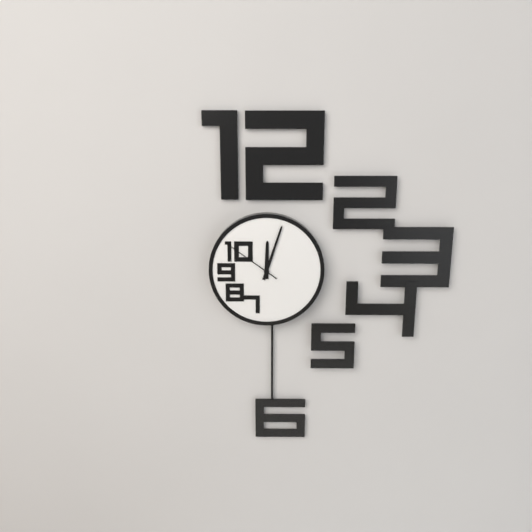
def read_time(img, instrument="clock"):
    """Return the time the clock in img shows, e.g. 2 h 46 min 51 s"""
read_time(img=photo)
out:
12 h 03 min 51 s
